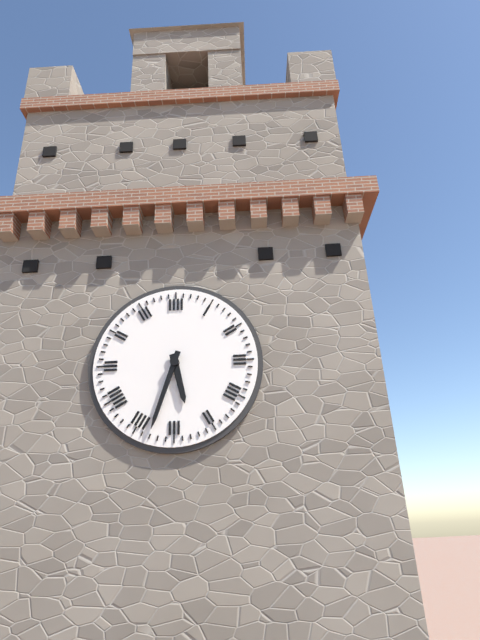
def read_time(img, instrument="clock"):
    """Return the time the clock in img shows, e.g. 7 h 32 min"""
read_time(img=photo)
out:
5 h 33 min
